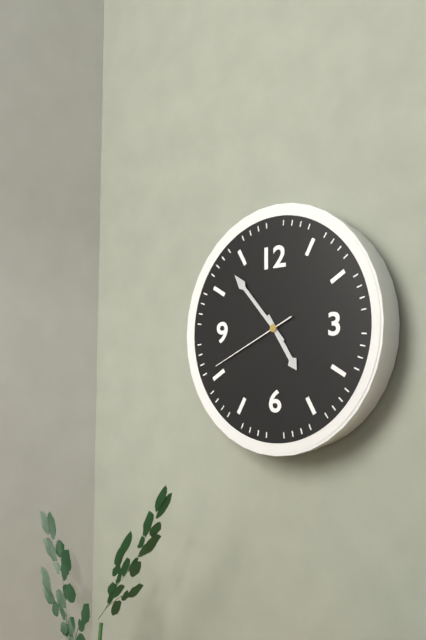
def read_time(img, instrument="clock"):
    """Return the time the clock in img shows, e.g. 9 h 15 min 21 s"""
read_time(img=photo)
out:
4 h 53 min 41 s
